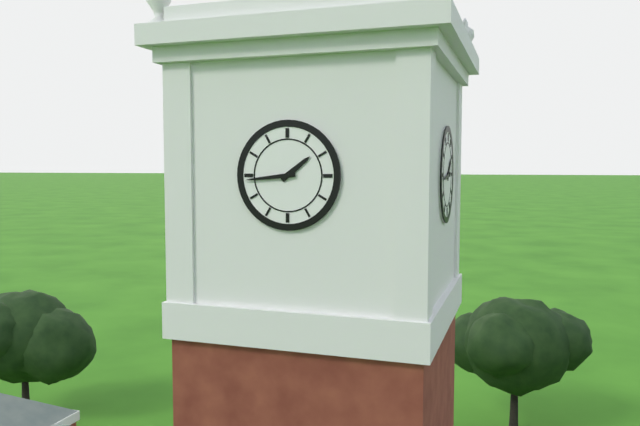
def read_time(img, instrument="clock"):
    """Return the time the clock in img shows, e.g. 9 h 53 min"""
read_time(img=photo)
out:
1 h 44 min
